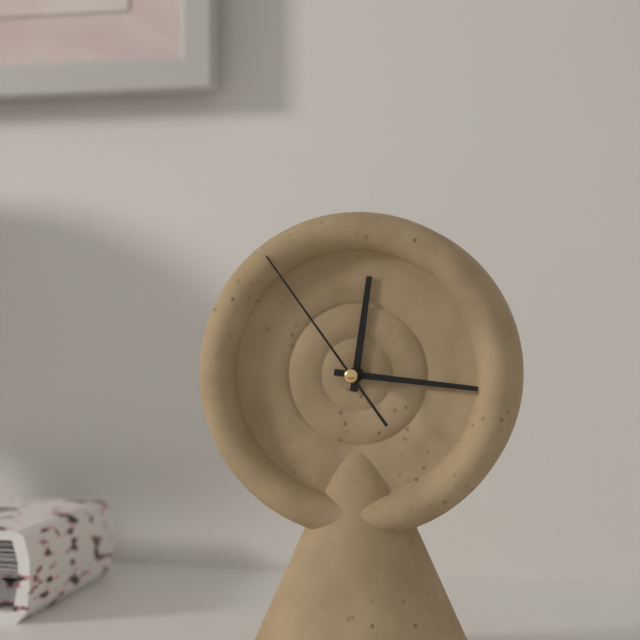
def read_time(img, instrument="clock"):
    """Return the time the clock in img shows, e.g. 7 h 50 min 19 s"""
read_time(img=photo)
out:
12 h 16 min 54 s
